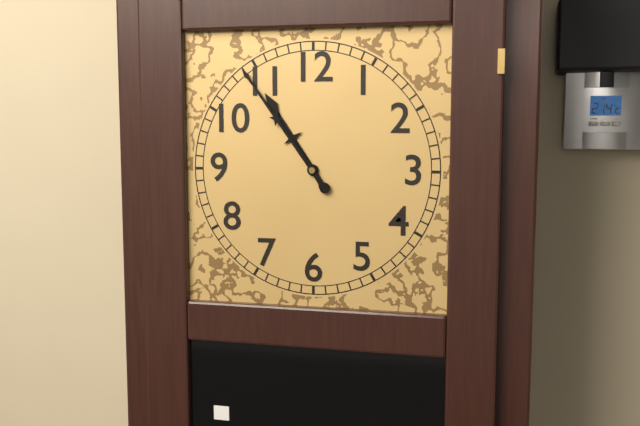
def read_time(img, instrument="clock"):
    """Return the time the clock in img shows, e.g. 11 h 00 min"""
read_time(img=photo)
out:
10 h 54 min
